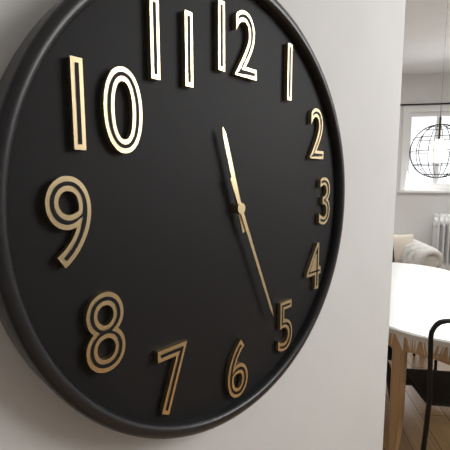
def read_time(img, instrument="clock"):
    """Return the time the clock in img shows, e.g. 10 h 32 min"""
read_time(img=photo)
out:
11 h 26 min
